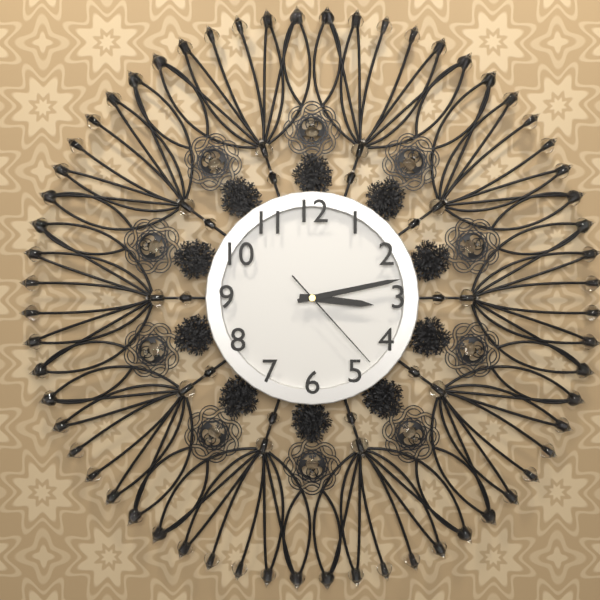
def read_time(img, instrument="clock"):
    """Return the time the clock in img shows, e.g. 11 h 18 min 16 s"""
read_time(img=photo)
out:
3 h 13 min 23 s
